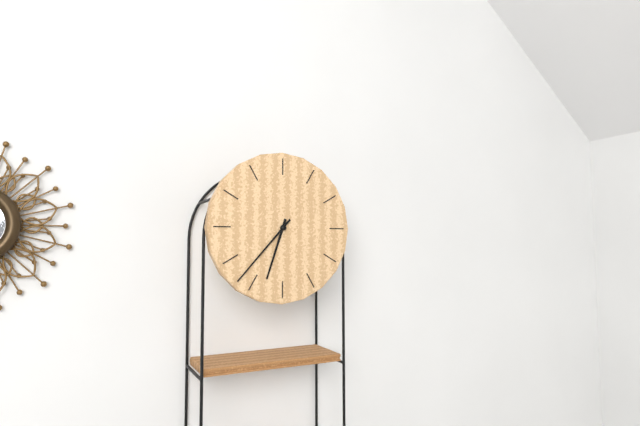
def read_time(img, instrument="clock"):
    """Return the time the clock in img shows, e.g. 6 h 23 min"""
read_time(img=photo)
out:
6 h 37 min
